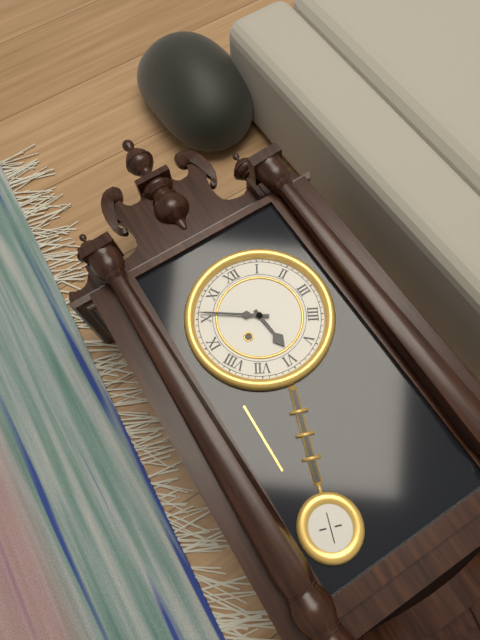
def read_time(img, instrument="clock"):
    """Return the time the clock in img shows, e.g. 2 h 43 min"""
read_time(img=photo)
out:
5 h 51 min
